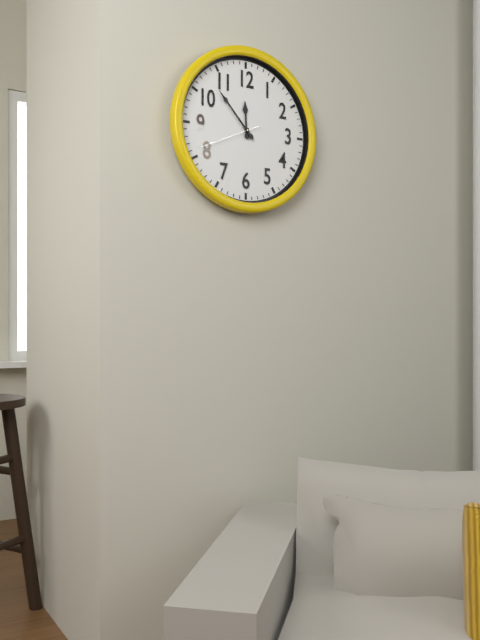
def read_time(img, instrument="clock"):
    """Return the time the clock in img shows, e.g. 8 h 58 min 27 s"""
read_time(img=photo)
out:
11 h 53 min 41 s
